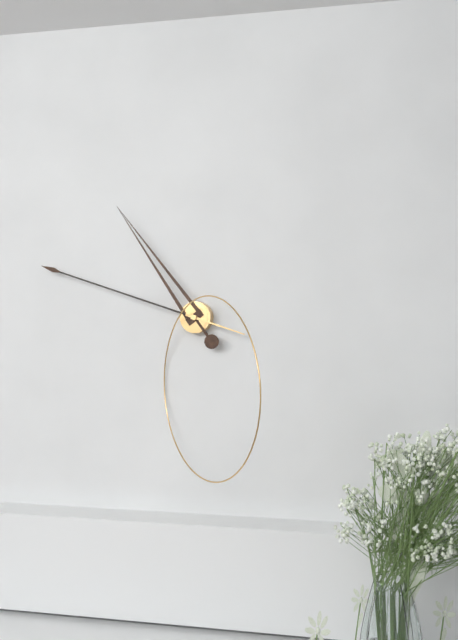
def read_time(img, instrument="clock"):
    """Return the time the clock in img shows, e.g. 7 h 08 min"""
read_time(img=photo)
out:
10 h 48 min
